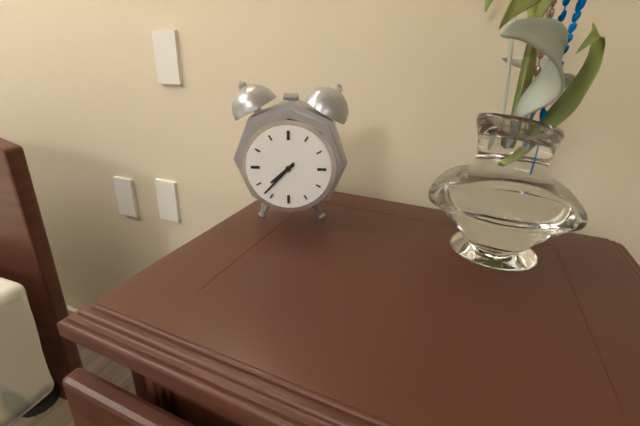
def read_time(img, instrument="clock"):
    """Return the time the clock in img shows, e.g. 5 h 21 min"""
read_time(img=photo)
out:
7 h 37 min
